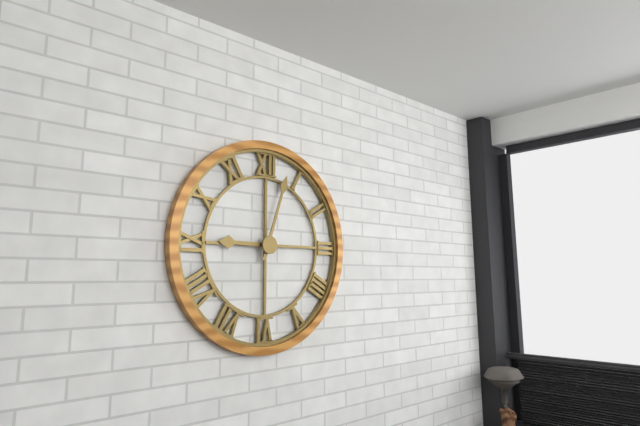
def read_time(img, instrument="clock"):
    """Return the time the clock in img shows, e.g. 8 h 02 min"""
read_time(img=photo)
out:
9 h 03 min
